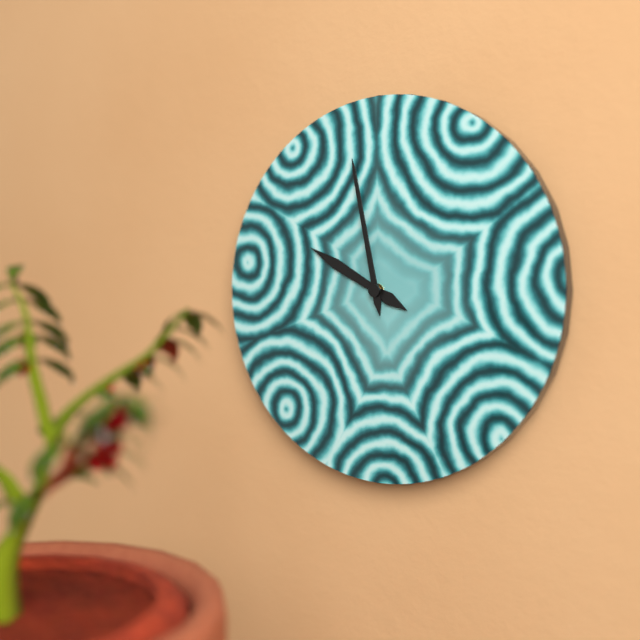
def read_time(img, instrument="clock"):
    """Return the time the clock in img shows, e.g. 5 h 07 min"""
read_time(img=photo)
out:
9 h 58 min
